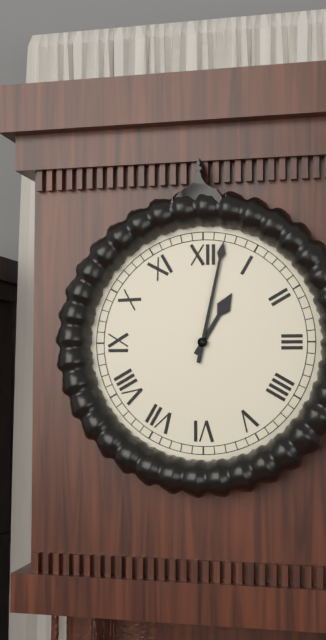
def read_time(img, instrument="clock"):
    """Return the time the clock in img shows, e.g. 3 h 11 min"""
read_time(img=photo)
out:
1 h 02 min
